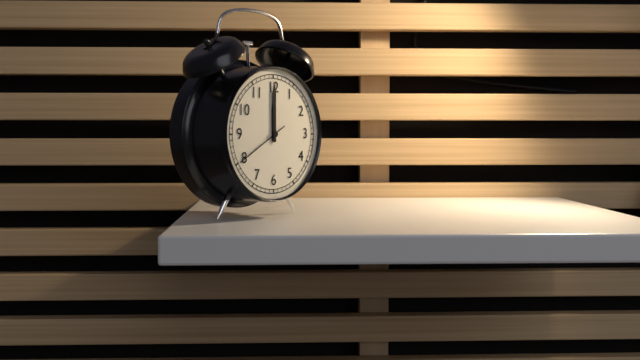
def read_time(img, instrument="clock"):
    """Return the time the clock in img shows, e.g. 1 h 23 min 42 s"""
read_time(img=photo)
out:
12 h 00 min 40 s
